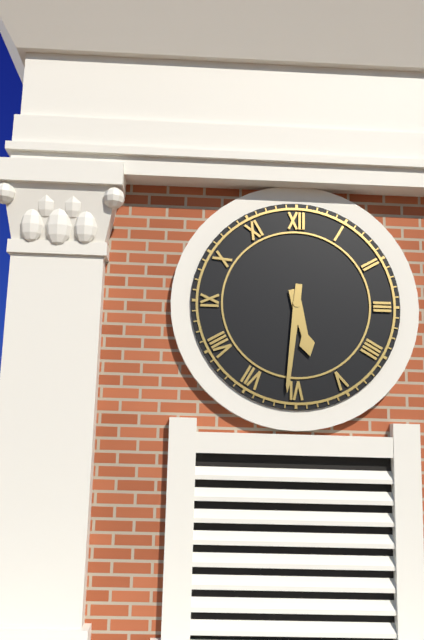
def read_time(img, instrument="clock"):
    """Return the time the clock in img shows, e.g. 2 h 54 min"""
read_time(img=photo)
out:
5 h 31 min
